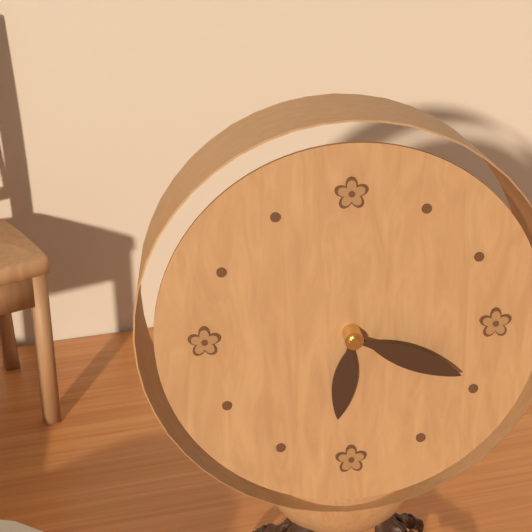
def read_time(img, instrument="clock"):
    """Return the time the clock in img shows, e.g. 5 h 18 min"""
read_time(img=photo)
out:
6 h 19 min
